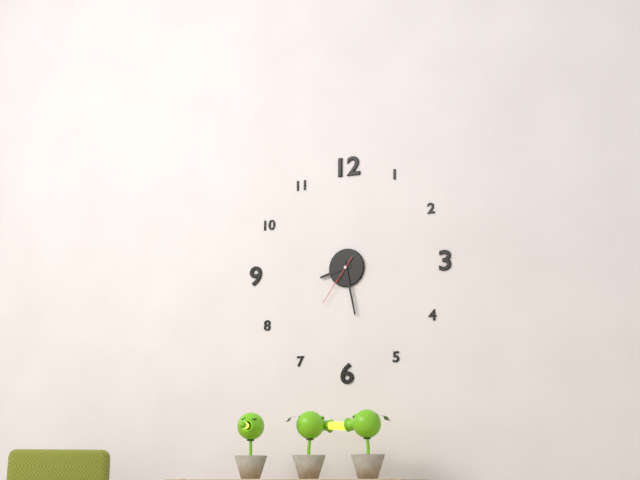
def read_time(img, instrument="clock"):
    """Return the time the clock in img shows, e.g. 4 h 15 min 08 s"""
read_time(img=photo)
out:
8 h 28 min 36 s
